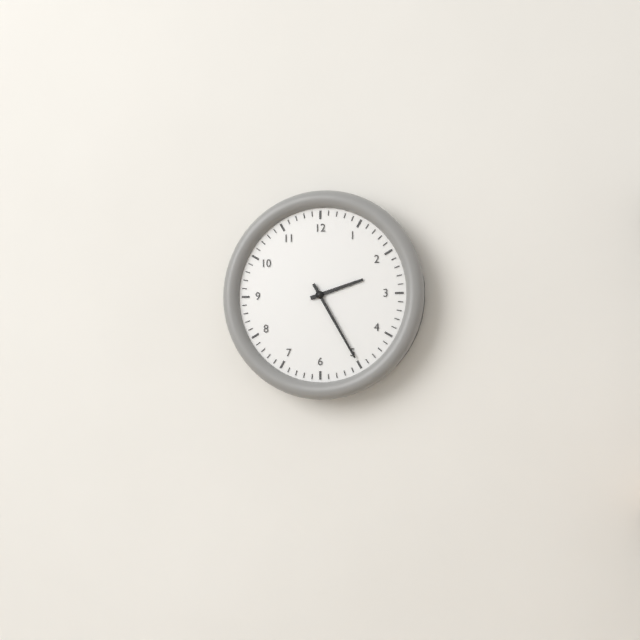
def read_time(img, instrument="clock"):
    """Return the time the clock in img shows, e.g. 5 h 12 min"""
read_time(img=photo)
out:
2 h 25 min
